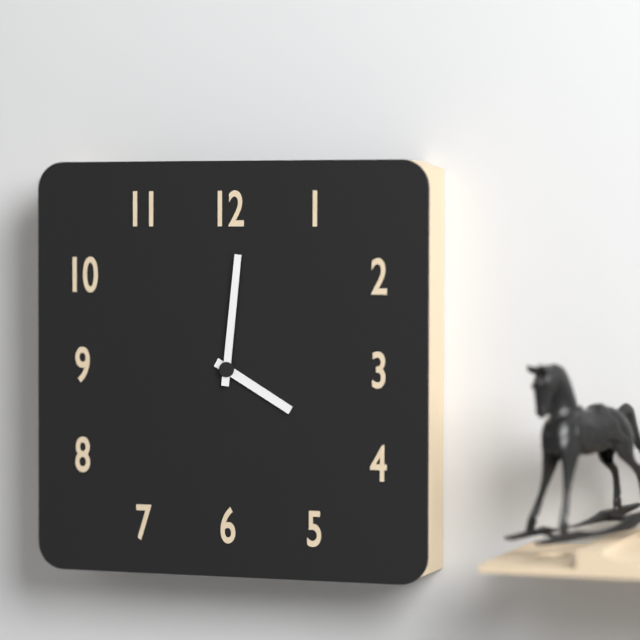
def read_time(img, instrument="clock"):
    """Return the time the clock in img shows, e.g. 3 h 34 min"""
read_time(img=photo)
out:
4 h 01 min
